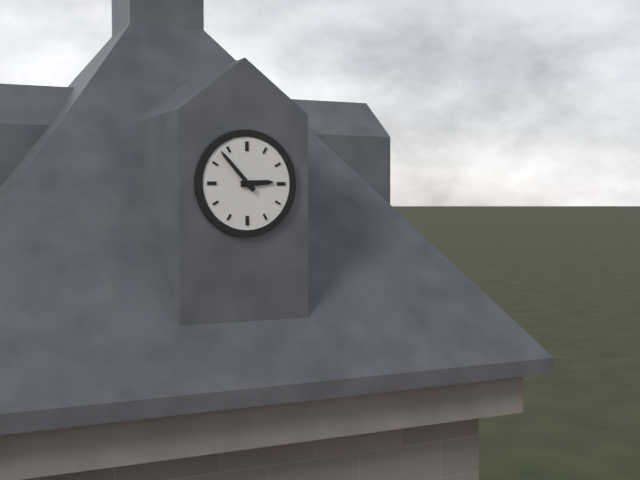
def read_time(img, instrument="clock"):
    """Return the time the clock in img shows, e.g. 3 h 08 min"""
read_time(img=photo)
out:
2 h 53 min
